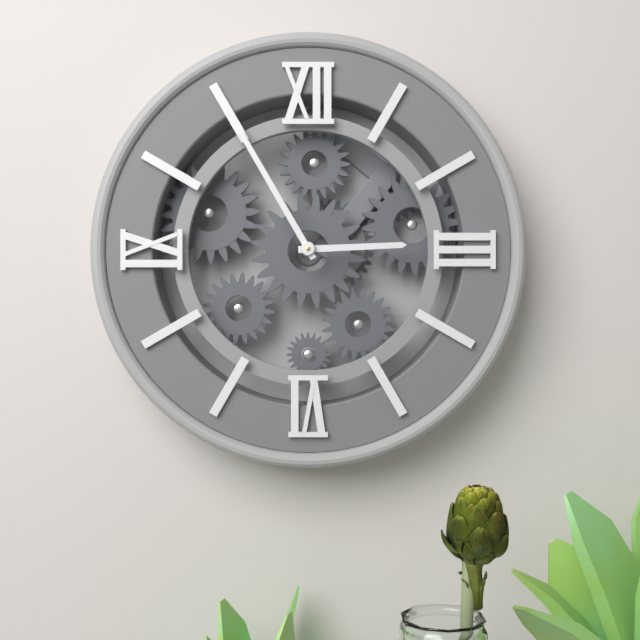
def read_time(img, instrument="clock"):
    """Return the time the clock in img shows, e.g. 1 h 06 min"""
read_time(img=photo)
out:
2 h 55 min
